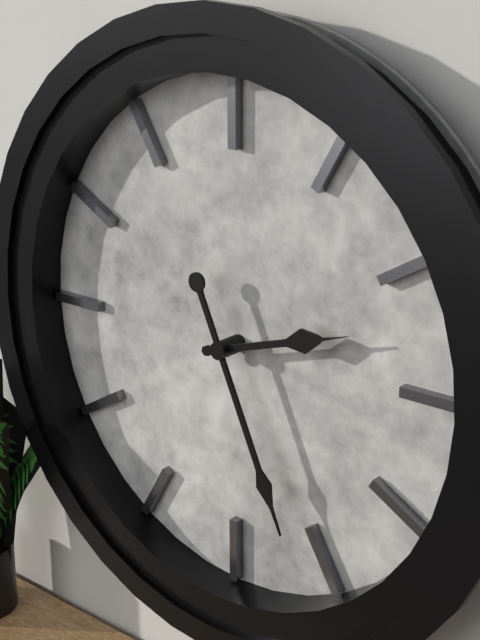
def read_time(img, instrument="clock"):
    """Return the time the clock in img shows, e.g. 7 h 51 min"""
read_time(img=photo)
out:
2 h 26 min
